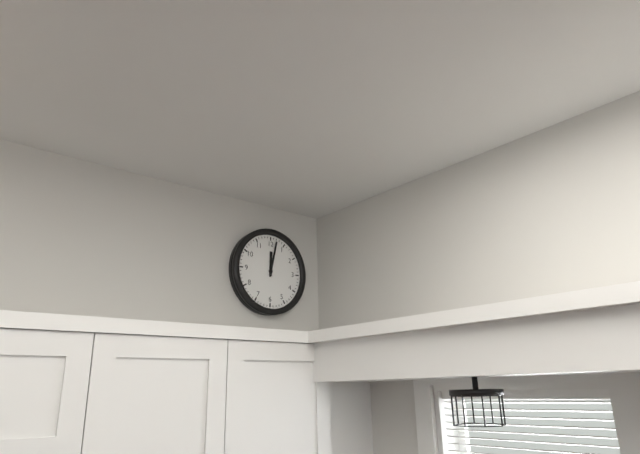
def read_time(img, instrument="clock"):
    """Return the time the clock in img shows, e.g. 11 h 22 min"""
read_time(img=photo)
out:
12 h 02 min
